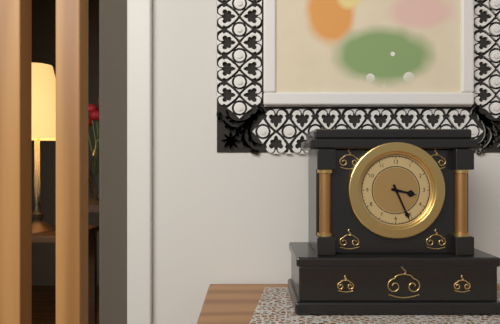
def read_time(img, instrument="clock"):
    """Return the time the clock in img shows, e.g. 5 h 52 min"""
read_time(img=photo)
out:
3 h 26 min
